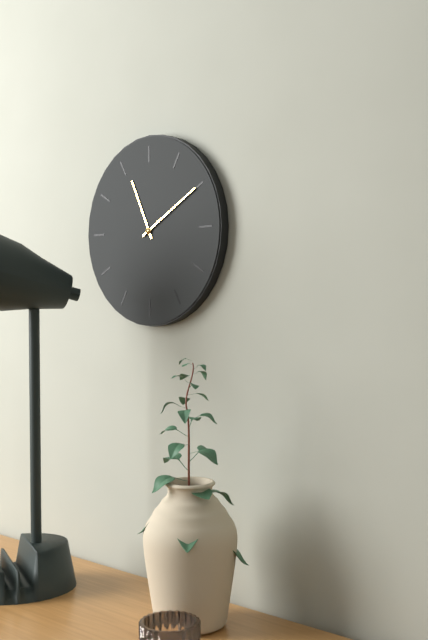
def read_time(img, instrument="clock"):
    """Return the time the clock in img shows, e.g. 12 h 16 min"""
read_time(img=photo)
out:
11 h 10 min
